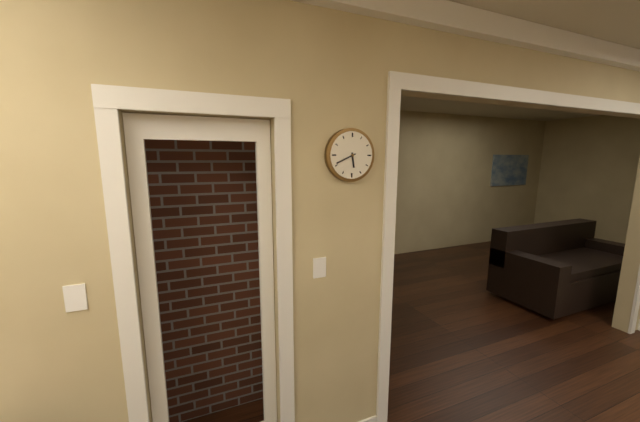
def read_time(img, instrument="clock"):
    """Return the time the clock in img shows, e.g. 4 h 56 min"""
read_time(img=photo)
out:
5 h 41 min
